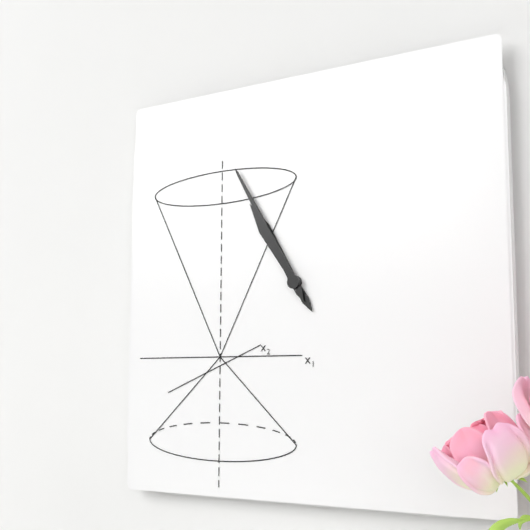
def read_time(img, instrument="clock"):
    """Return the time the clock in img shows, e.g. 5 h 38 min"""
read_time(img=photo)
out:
10 h 55 min
